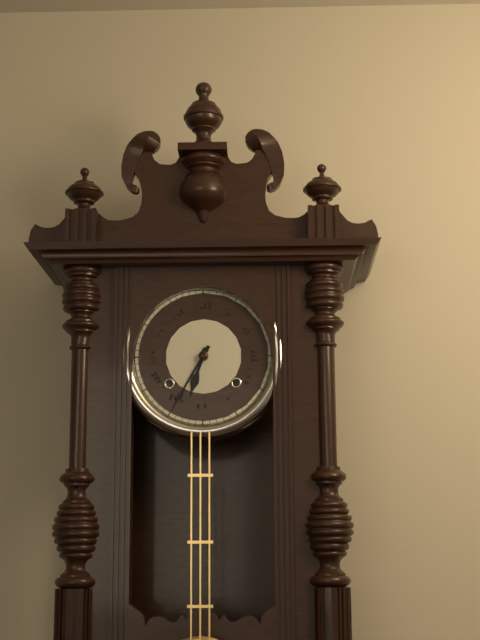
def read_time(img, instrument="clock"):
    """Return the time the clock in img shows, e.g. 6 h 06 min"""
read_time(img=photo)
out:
6 h 35 min
